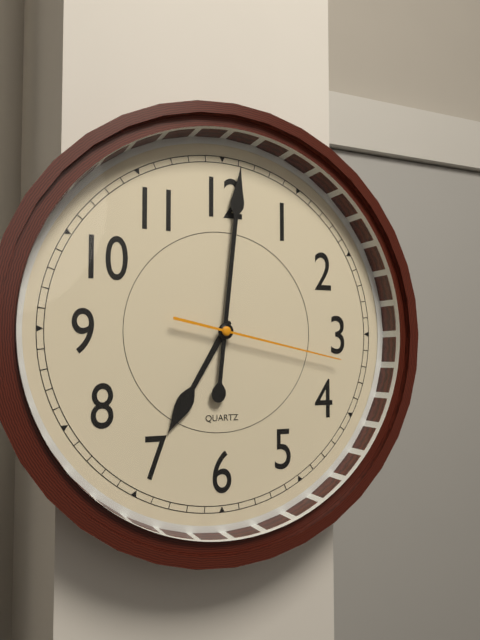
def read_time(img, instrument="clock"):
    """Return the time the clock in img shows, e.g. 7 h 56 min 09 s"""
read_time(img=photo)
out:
7 h 01 min 17 s
